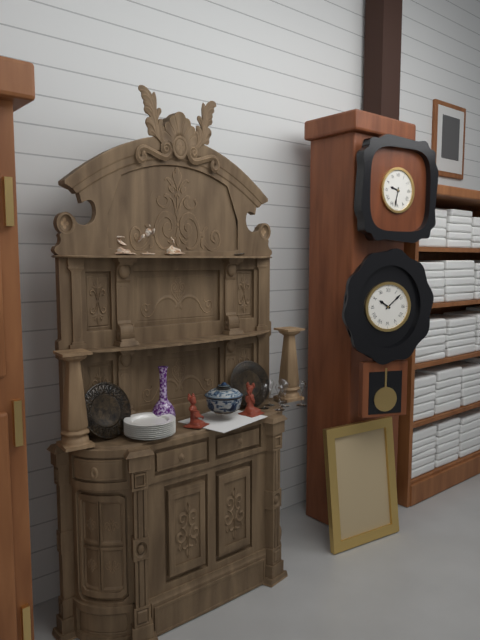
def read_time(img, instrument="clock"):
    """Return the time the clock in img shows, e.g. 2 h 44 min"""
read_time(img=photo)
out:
9 h 32 min
